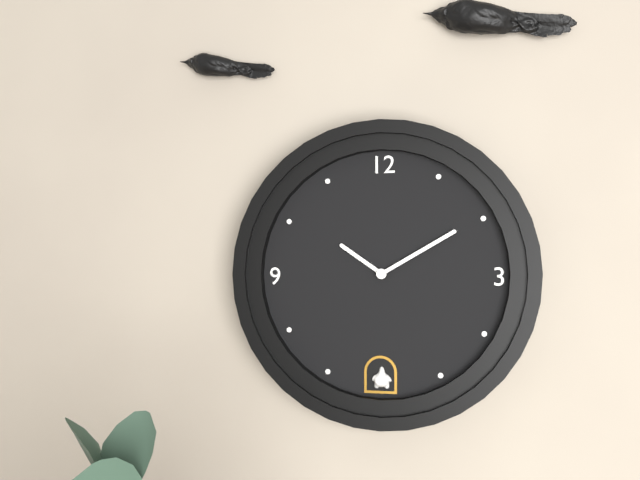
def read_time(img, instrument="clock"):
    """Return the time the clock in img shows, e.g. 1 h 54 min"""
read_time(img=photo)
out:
10 h 10 min
